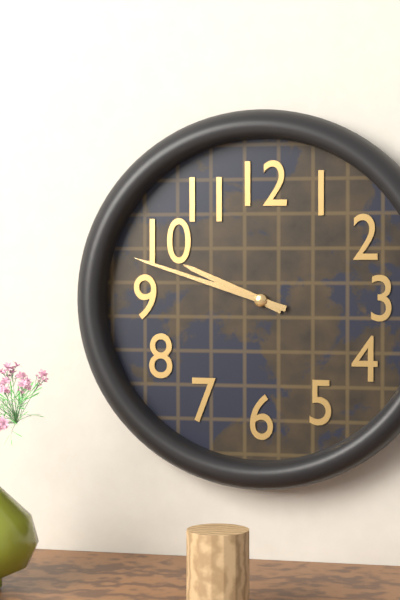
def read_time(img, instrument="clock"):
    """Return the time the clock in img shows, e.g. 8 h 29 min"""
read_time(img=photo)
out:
9 h 48 min
